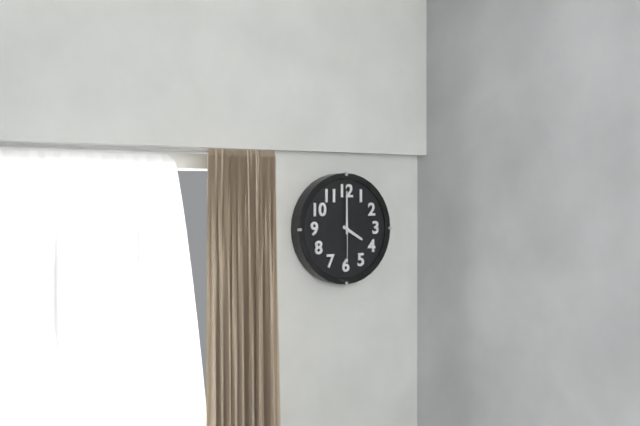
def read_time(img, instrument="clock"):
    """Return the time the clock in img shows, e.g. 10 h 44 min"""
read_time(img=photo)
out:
4 h 00 min
